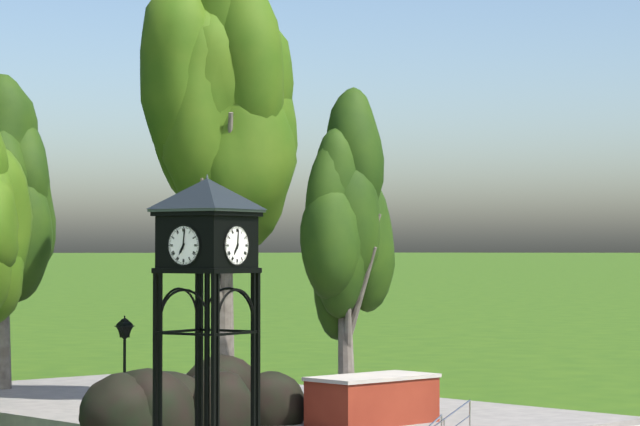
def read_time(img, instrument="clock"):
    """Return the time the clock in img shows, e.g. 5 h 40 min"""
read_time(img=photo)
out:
7 h 01 min
